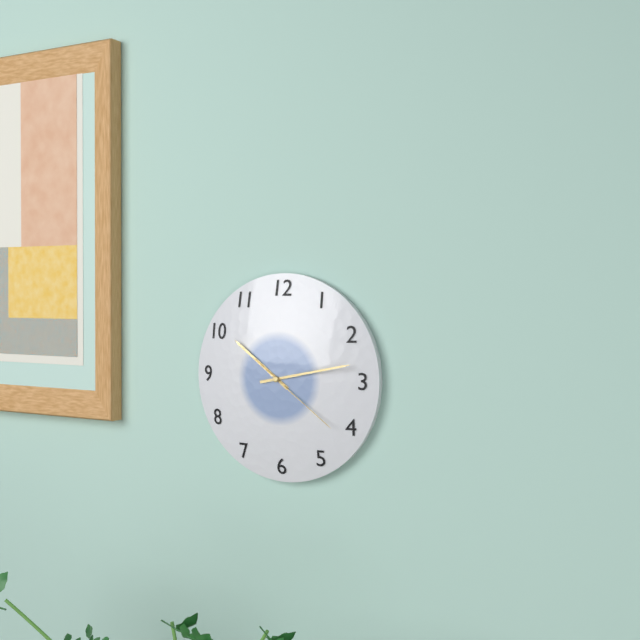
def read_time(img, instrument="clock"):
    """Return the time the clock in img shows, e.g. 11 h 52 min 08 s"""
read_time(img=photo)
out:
10 h 13 min 21 s
